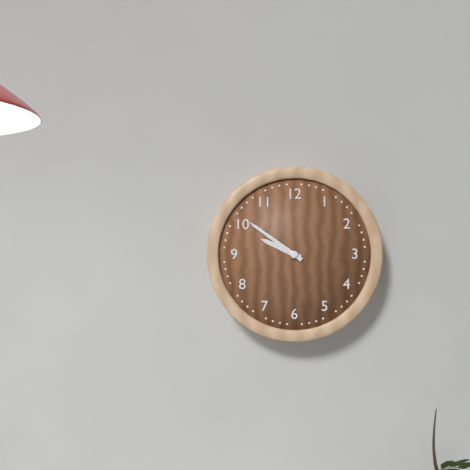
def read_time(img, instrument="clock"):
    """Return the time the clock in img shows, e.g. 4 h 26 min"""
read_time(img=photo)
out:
9 h 51 min
